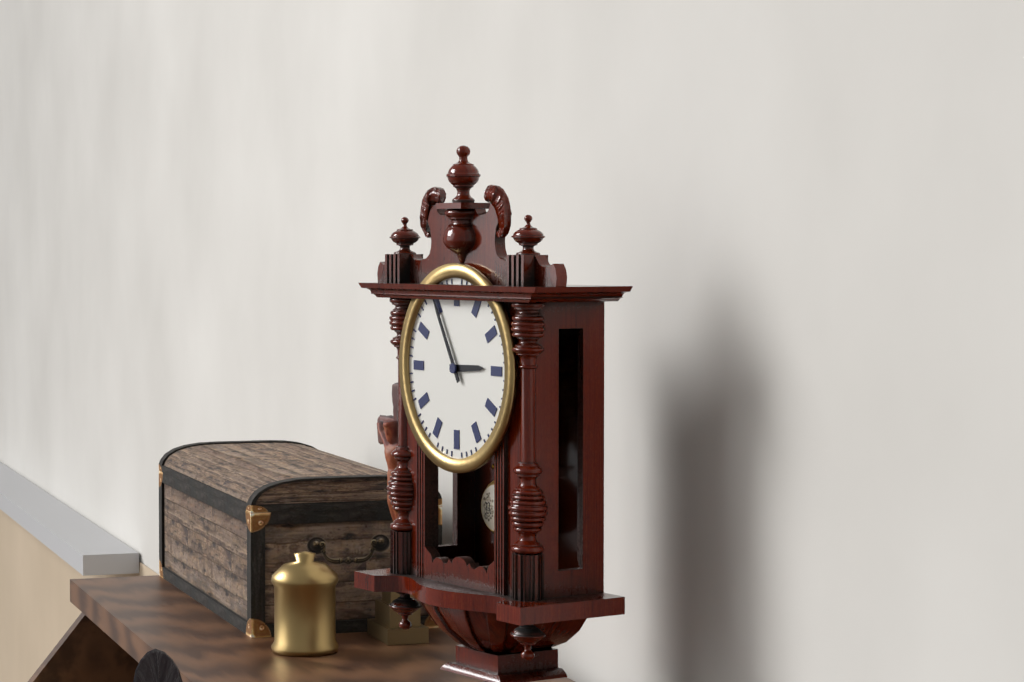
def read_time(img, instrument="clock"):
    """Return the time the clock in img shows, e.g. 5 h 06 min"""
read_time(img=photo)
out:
2 h 55 min
